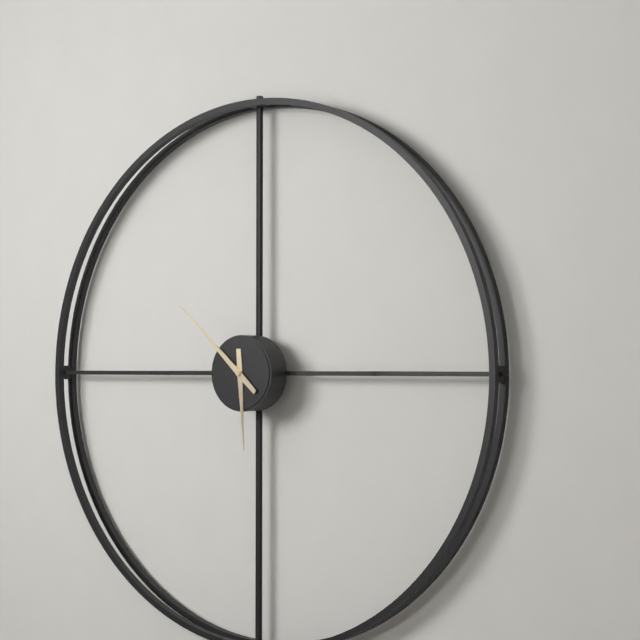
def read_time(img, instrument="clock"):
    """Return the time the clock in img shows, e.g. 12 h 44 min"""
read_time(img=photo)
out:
5 h 52 min
